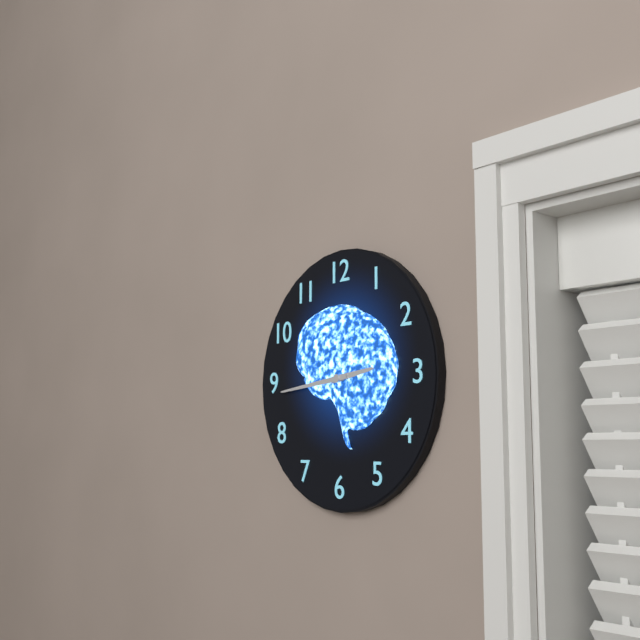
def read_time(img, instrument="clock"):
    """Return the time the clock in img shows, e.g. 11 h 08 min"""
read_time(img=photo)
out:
2 h 44 min
